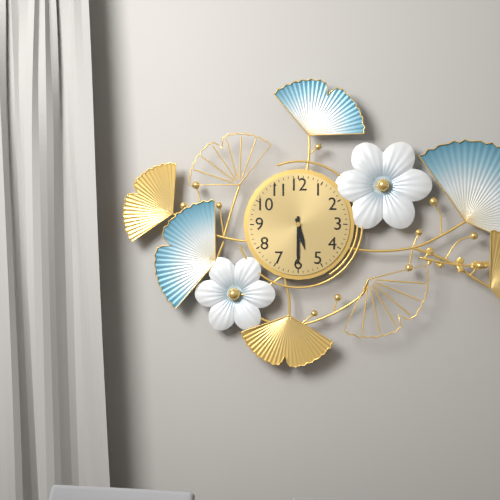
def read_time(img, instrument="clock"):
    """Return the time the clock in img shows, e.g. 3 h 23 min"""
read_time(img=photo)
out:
5 h 30 min
